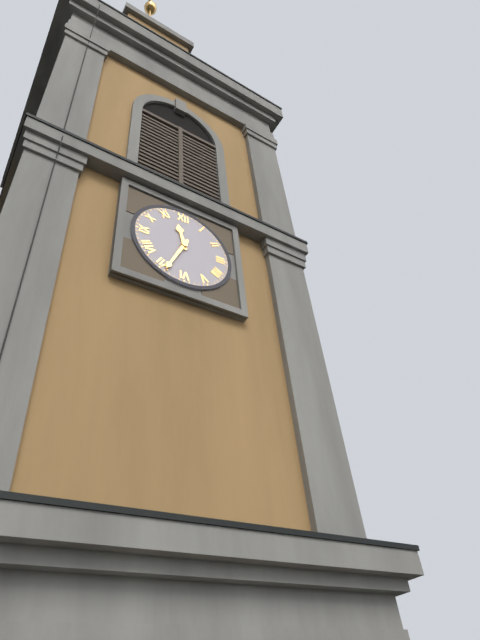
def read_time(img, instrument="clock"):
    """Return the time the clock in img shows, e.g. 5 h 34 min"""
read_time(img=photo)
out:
11 h 34 min
